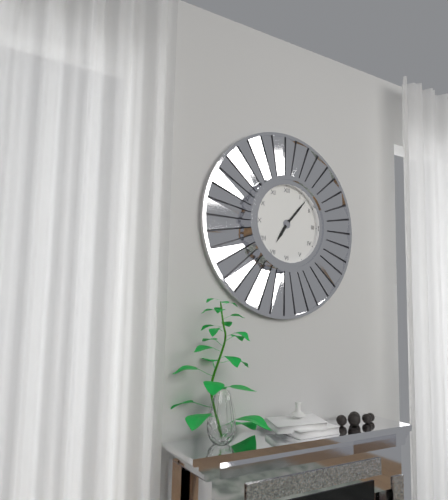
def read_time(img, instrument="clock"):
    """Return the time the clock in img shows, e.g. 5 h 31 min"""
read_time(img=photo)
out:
7 h 07 min
